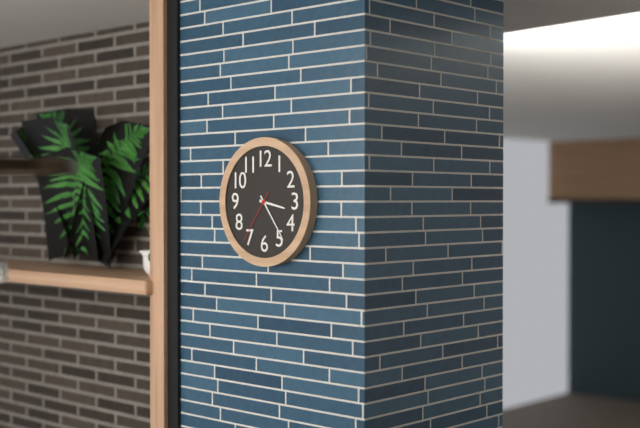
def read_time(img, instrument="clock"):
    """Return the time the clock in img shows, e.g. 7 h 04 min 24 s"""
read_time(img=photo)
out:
3 h 24 min 36 s
